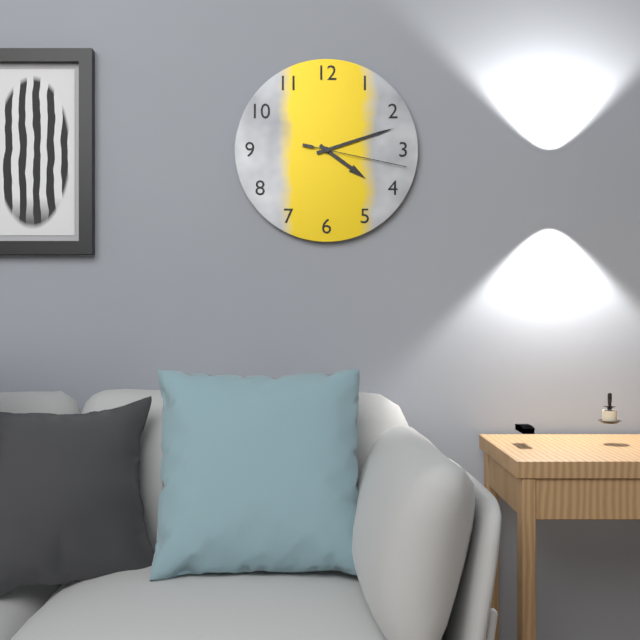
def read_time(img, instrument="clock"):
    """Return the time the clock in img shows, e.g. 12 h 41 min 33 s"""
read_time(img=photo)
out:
4 h 12 min 17 s
